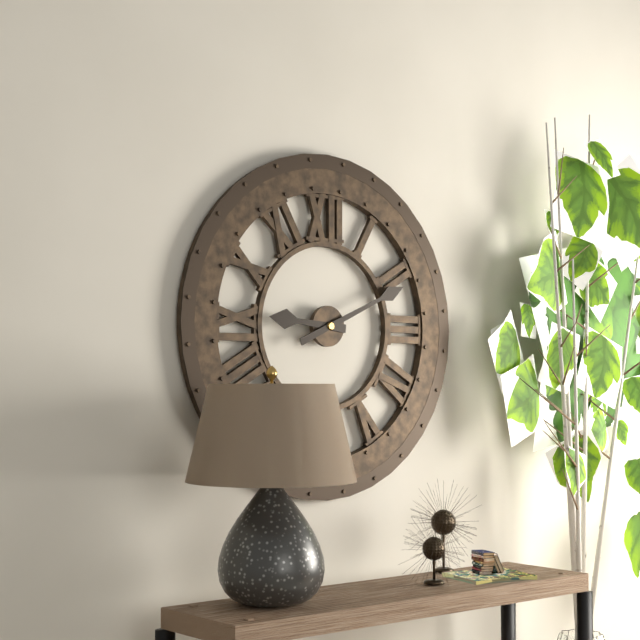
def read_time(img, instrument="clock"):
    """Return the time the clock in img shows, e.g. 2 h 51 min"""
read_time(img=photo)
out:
9 h 11 min
